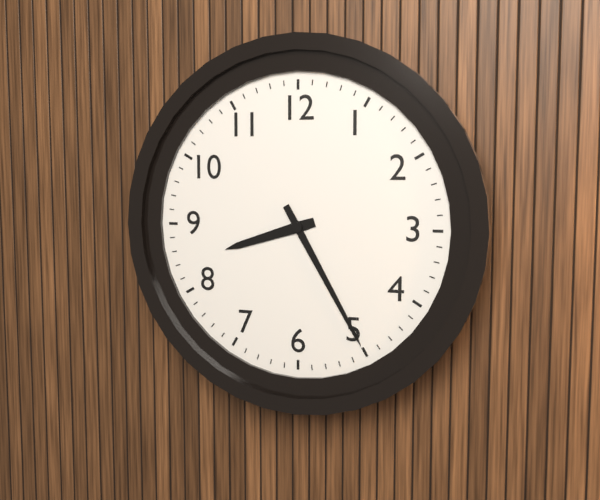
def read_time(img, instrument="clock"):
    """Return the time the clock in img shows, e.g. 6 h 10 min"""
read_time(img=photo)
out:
8 h 25 min
